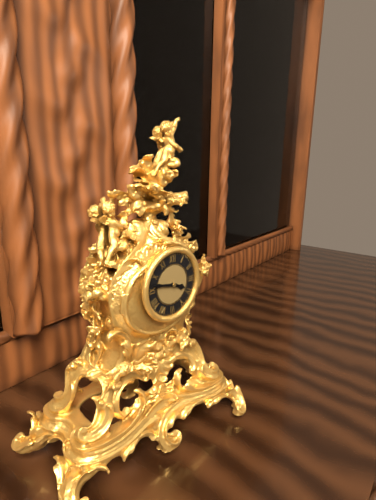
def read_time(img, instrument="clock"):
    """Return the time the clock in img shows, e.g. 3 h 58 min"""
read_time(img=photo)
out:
3 h 47 min
